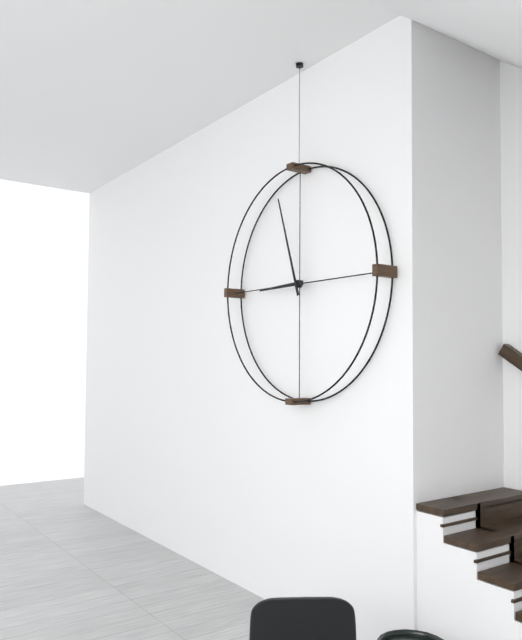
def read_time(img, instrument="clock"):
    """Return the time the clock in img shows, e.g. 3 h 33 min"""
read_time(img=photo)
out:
8 h 57 min
